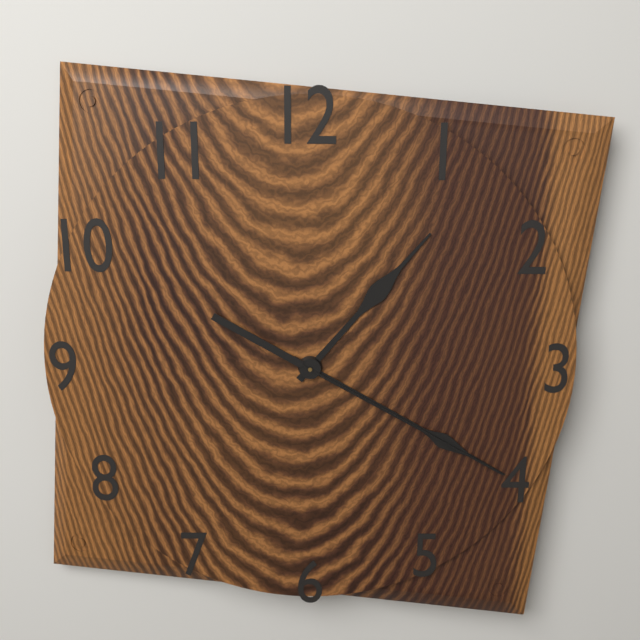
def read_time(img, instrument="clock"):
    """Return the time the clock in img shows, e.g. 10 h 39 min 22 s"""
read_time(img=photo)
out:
1 h 20 min 20 s
